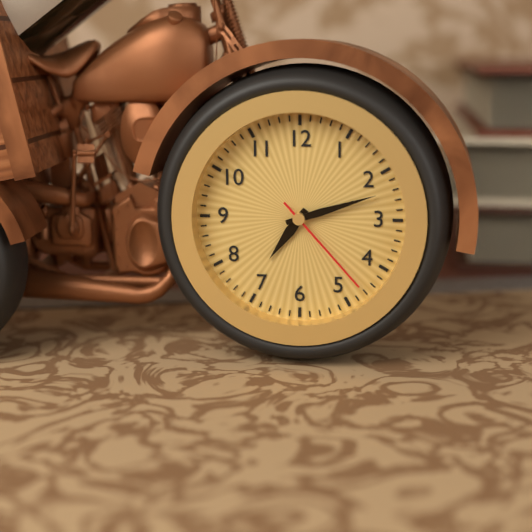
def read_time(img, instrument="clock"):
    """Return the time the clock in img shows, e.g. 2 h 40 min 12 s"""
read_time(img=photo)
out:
7 h 12 min 23 s
